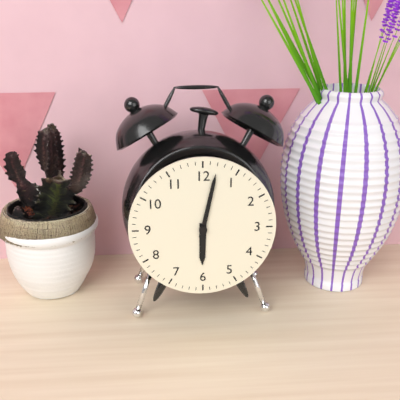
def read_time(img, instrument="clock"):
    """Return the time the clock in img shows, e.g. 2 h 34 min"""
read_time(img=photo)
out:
6 h 02 min
